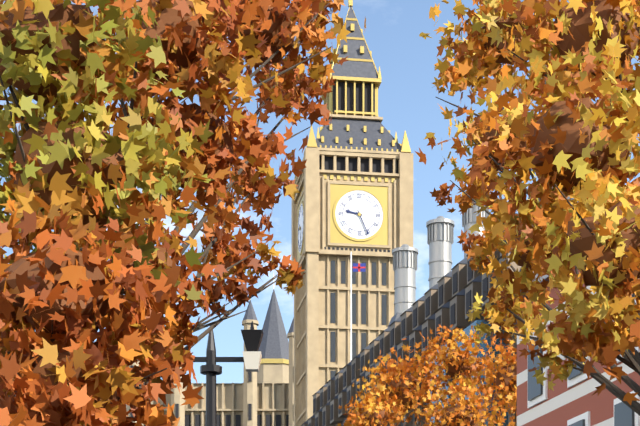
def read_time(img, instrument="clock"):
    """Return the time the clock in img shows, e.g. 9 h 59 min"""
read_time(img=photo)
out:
9 h 26 min
